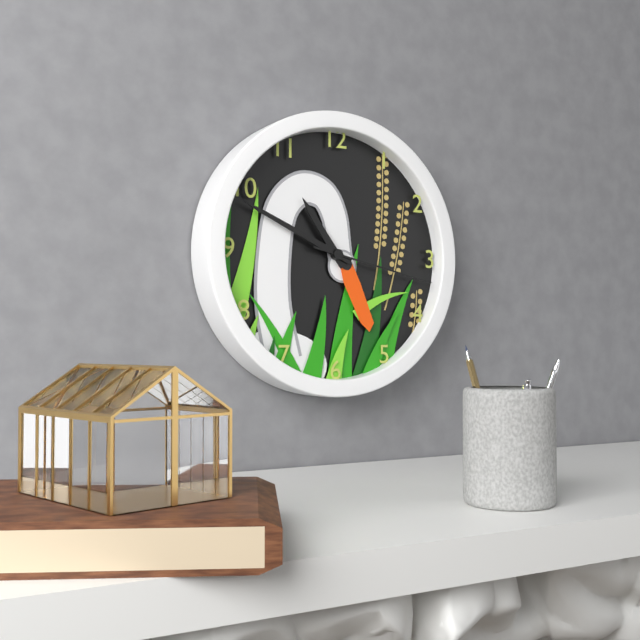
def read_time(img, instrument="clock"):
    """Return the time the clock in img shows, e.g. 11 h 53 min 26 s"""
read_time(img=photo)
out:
10 h 49 min 17 s
